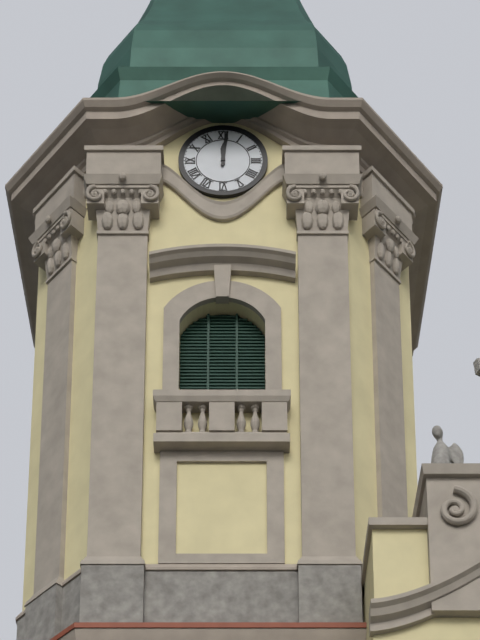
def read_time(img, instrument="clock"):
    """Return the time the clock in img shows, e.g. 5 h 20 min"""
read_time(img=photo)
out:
12 h 01 min
